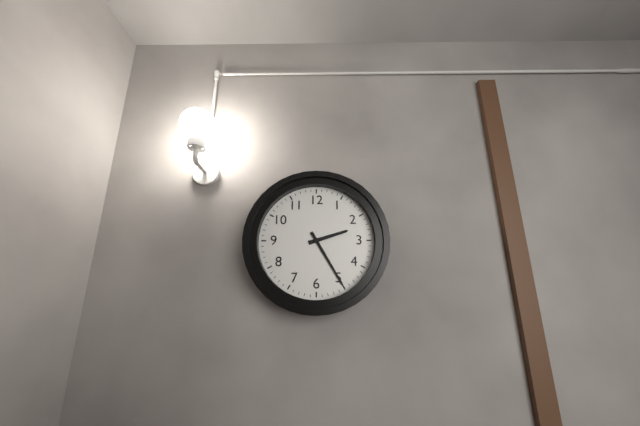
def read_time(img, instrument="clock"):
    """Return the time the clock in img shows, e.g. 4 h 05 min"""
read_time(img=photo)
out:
2 h 25 min
